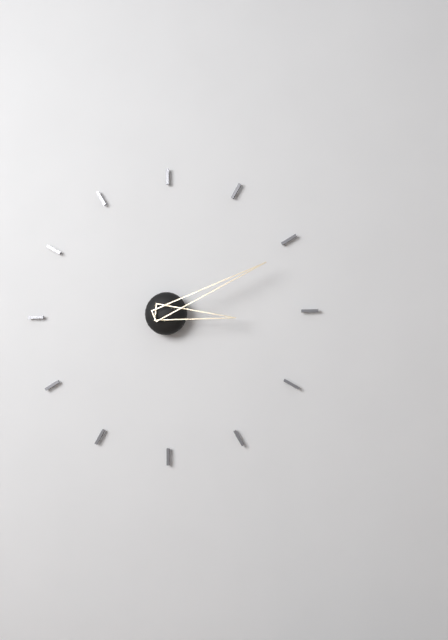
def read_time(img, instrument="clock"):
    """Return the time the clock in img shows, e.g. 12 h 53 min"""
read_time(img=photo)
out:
3 h 11 min
